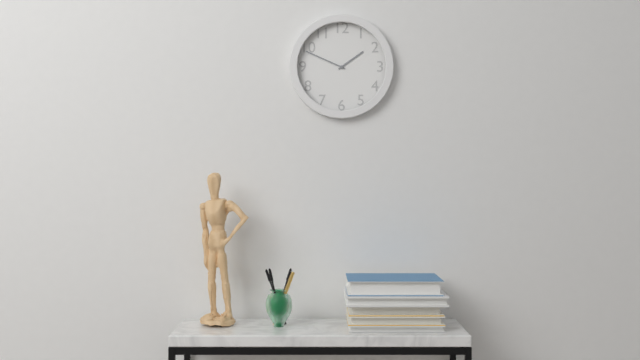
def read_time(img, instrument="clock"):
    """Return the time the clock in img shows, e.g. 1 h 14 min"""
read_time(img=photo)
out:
1 h 49 min
